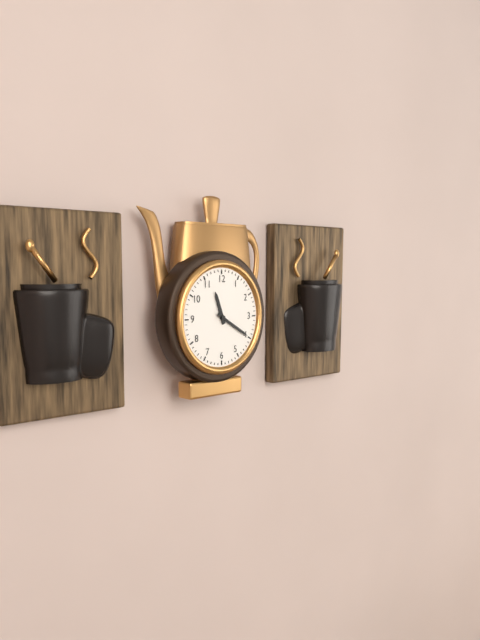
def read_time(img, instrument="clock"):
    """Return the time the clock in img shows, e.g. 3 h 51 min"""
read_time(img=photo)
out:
11 h 20 min
